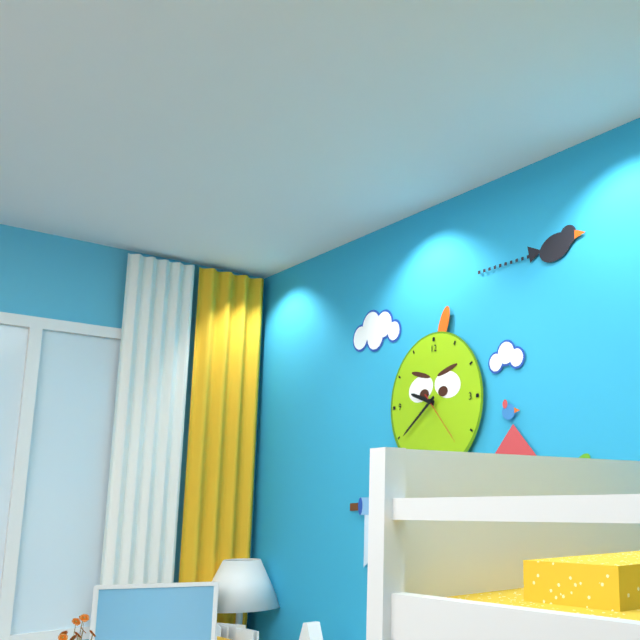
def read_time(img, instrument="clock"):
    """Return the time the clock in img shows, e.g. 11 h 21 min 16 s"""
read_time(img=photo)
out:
9 h 39 min 23 s
